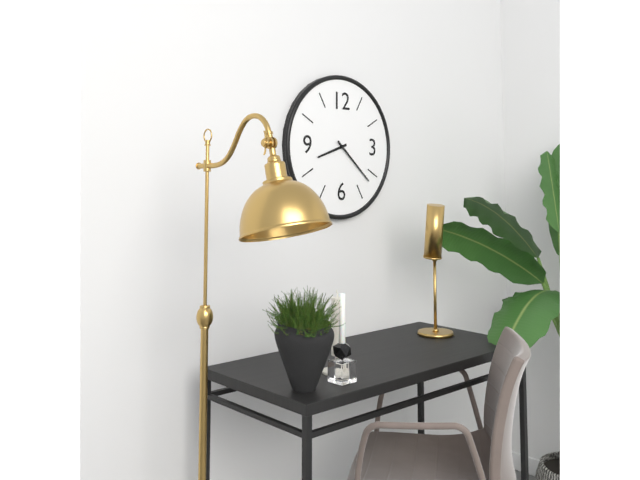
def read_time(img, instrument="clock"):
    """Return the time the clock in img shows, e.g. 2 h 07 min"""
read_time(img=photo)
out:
8 h 22 min
